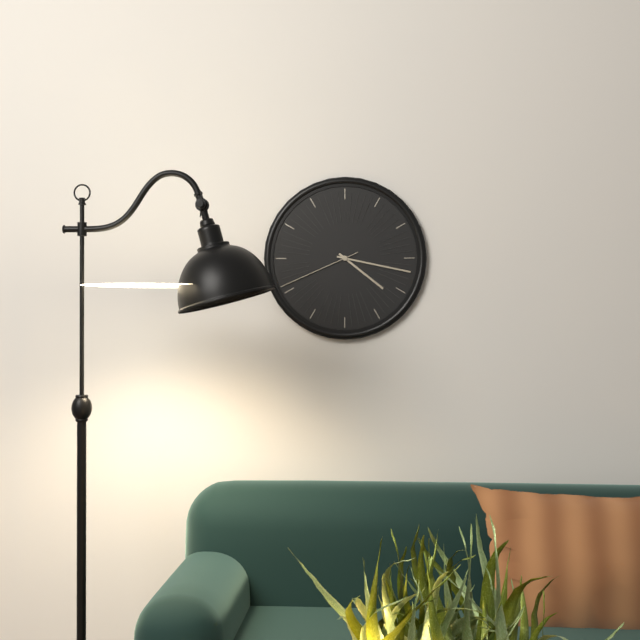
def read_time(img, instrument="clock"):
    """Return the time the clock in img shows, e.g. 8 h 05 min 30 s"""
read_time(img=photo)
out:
4 h 17 min 41 s
